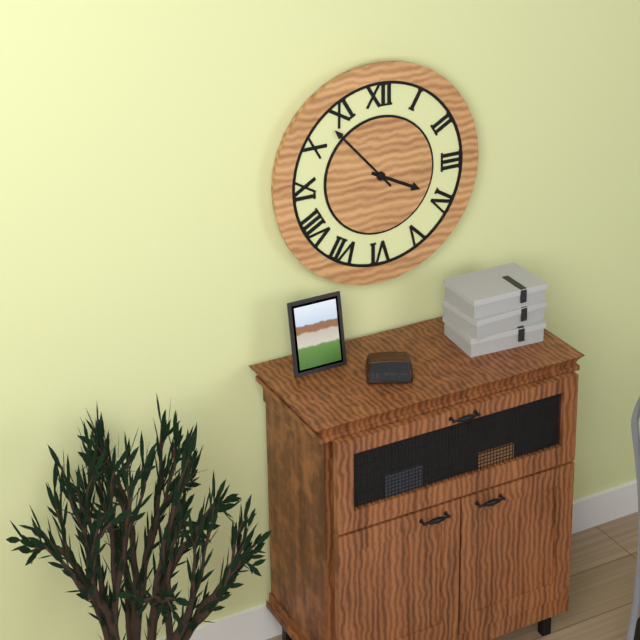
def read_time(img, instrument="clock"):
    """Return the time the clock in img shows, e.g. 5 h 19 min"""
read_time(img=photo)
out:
3 h 53 min
